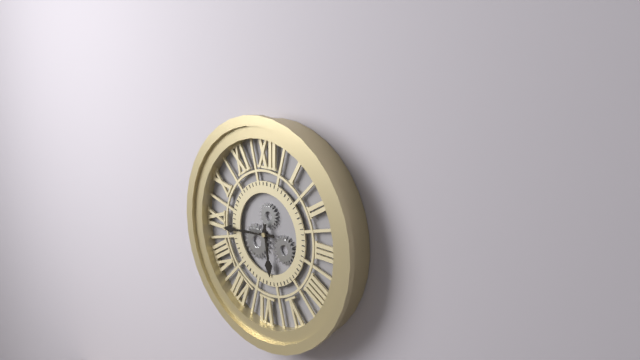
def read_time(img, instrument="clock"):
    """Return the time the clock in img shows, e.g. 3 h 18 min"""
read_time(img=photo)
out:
5 h 44 min
